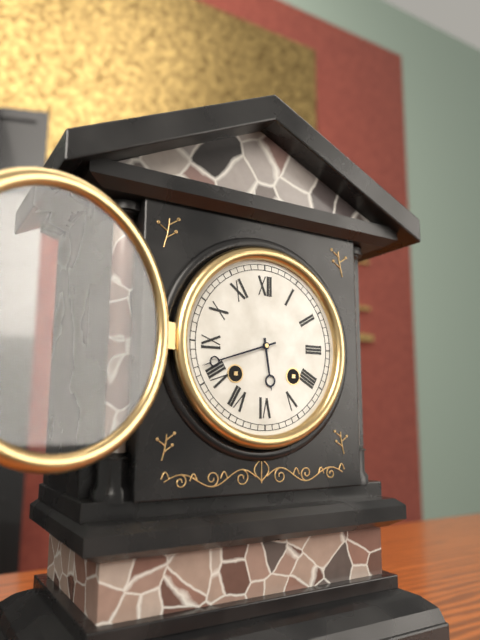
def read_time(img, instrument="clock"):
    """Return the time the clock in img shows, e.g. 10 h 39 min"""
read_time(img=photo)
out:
5 h 42 min
